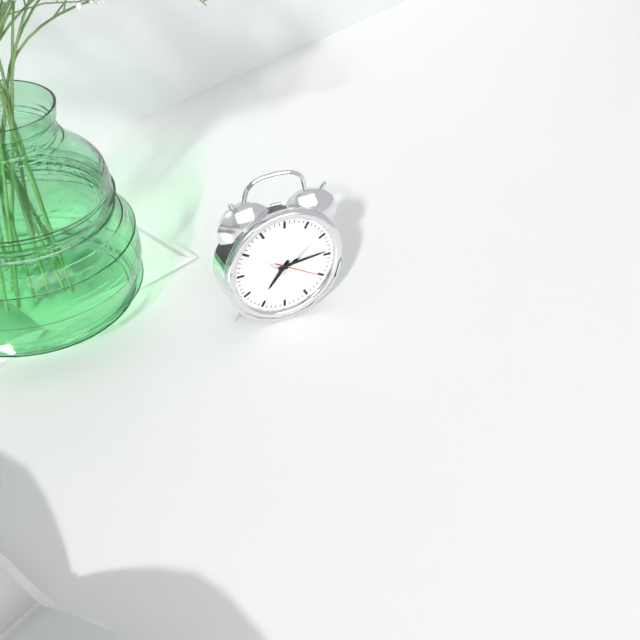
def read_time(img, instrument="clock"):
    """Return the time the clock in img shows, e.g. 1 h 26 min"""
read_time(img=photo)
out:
7 h 14 min
